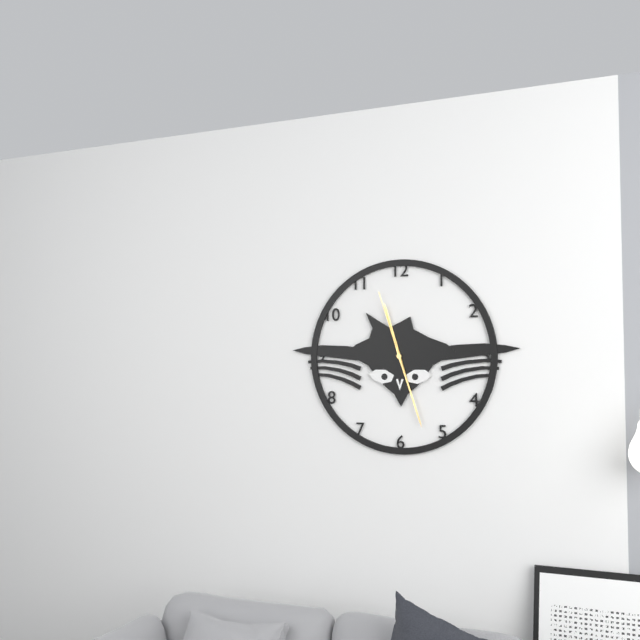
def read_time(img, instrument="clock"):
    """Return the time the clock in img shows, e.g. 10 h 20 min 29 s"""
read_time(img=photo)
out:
11 h 27 min 57 s
